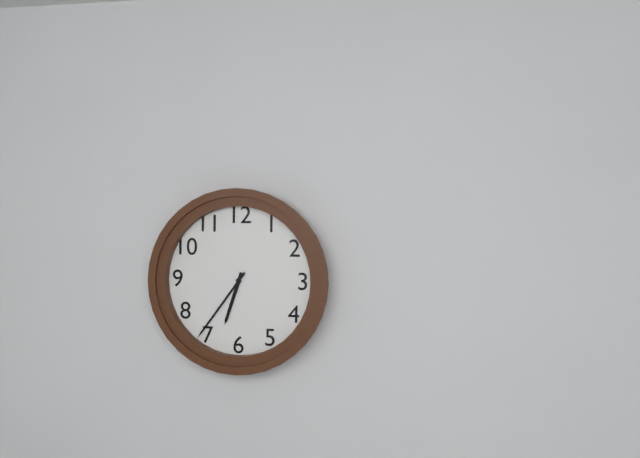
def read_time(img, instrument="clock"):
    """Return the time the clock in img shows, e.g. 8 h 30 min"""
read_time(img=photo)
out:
6 h 36 min
